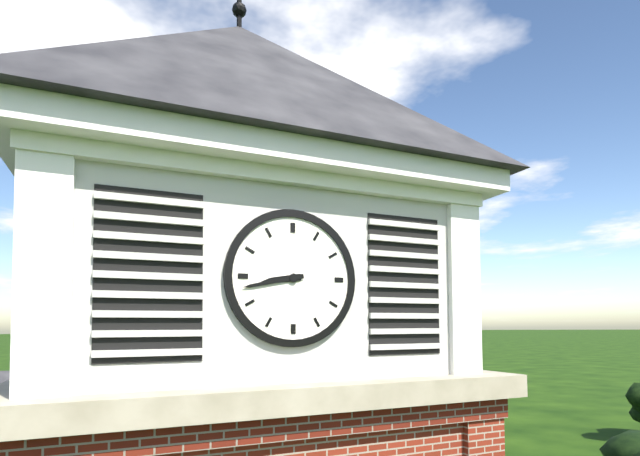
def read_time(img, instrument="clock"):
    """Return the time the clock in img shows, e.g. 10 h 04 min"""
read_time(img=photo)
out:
8 h 43 min
